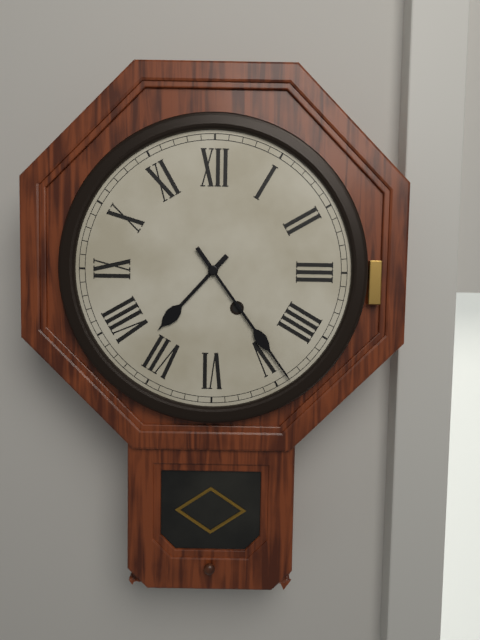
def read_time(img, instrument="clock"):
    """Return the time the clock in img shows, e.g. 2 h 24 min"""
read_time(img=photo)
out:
7 h 24 min
